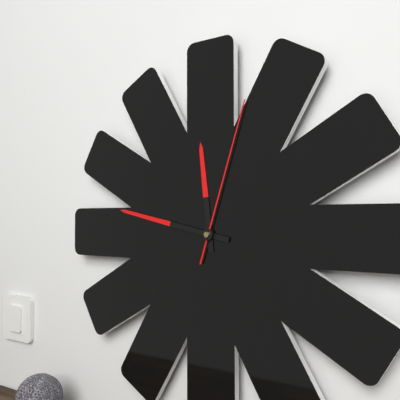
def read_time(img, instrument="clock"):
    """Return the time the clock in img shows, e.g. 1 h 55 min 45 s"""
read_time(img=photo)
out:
11 h 47 min 03 s
